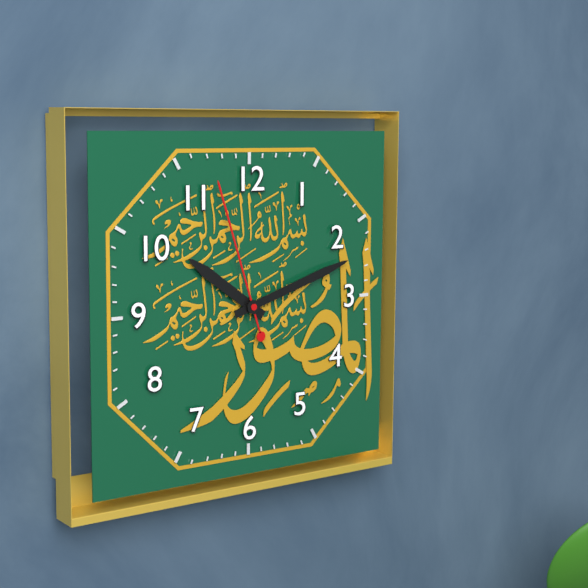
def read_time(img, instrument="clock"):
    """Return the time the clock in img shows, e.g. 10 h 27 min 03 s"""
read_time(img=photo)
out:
10 h 12 min 57 s
